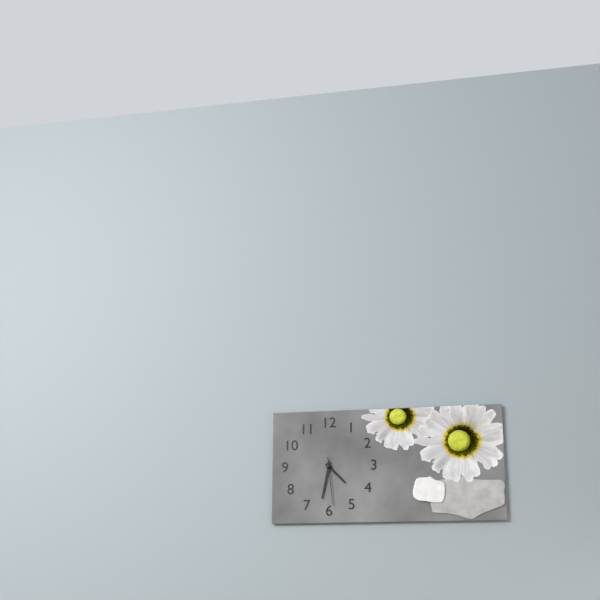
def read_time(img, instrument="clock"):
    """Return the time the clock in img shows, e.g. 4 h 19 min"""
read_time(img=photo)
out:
4 h 32 min
